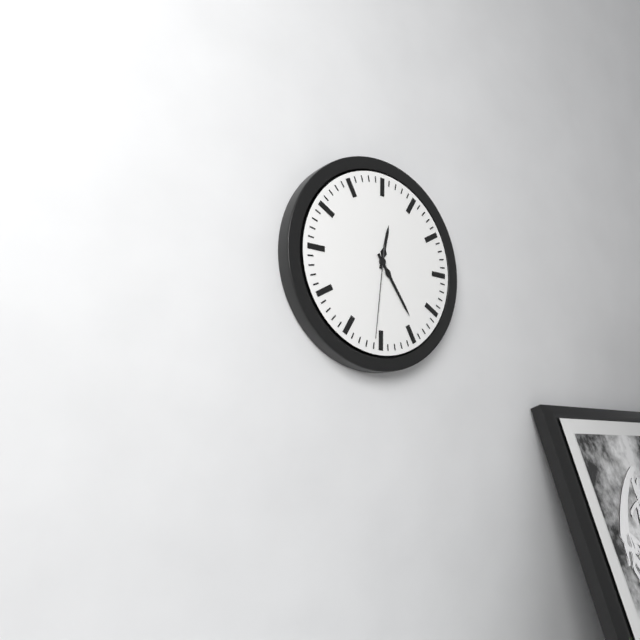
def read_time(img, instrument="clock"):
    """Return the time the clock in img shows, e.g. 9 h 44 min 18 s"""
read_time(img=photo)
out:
12 h 24 min 31 s
